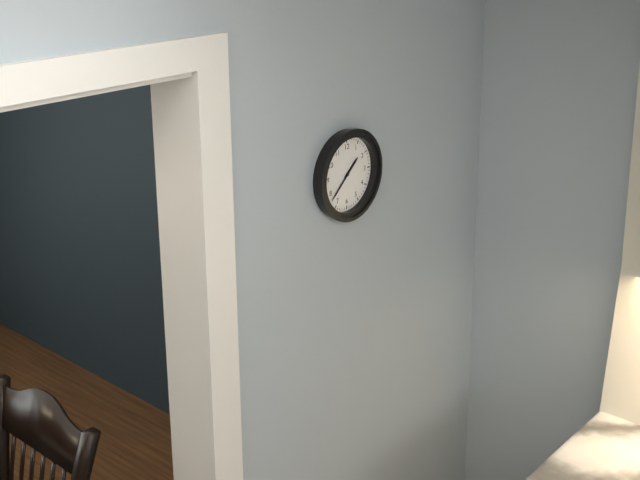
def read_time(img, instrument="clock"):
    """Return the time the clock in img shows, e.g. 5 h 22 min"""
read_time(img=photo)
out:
1 h 38 min
